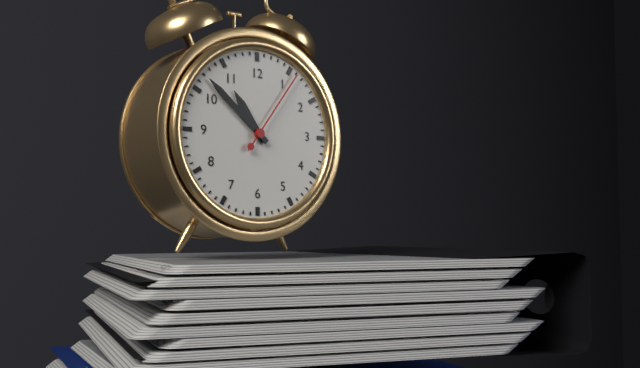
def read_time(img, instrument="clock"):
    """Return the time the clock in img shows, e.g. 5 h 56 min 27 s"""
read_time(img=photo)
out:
10 h 52 min 06 s
